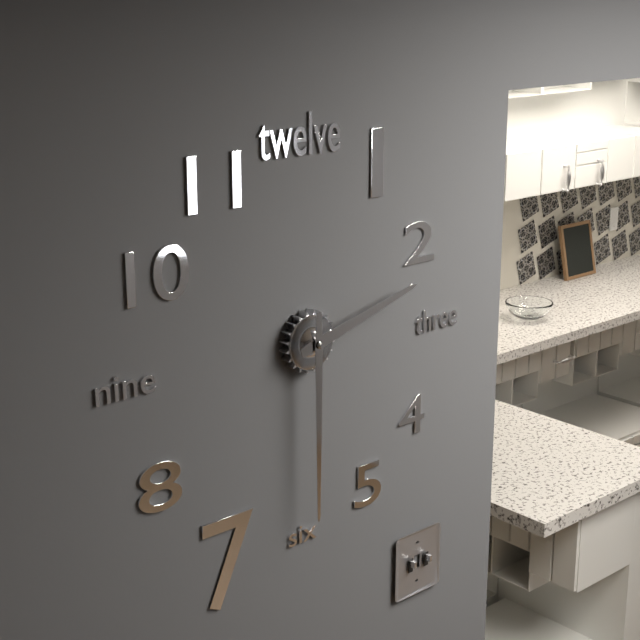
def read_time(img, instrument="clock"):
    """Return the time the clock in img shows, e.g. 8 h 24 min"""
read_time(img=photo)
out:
2 h 30 min
